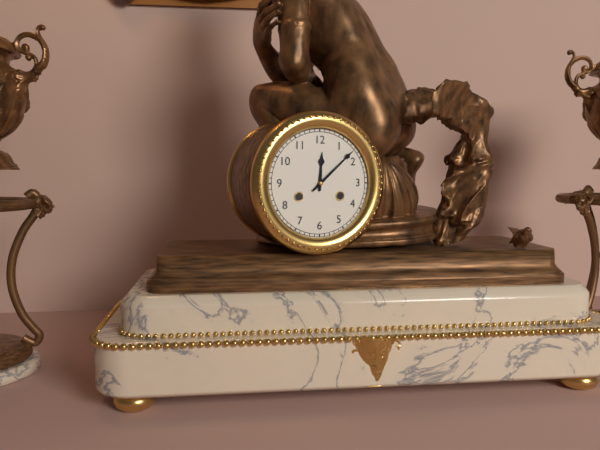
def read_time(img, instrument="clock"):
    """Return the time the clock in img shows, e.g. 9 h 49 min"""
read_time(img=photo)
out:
12 h 08 min
